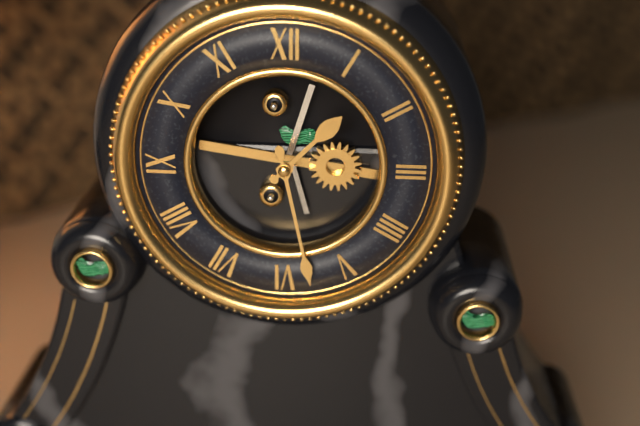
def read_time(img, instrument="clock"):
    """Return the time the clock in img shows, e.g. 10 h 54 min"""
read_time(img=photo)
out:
1 h 28 min
